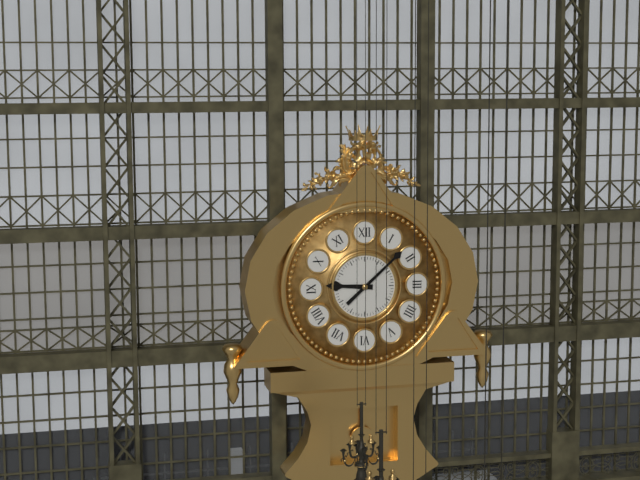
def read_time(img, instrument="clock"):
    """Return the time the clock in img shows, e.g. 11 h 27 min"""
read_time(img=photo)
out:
9 h 08 min
